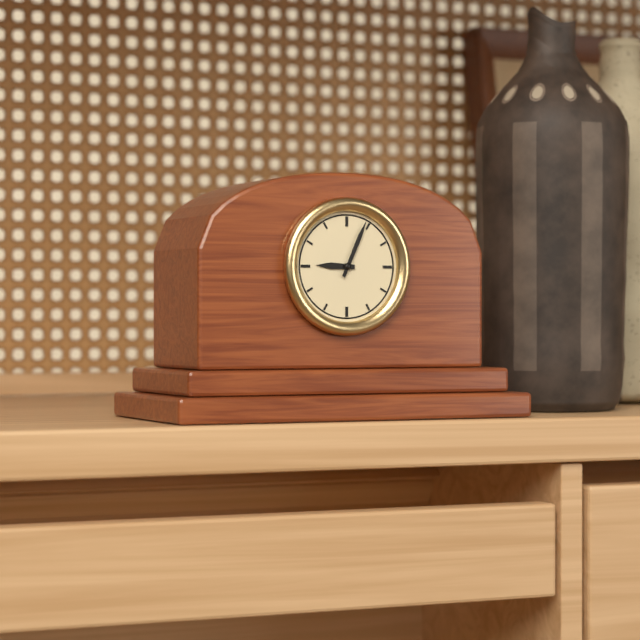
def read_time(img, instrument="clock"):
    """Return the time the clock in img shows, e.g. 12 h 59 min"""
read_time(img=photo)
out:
9 h 04 min
